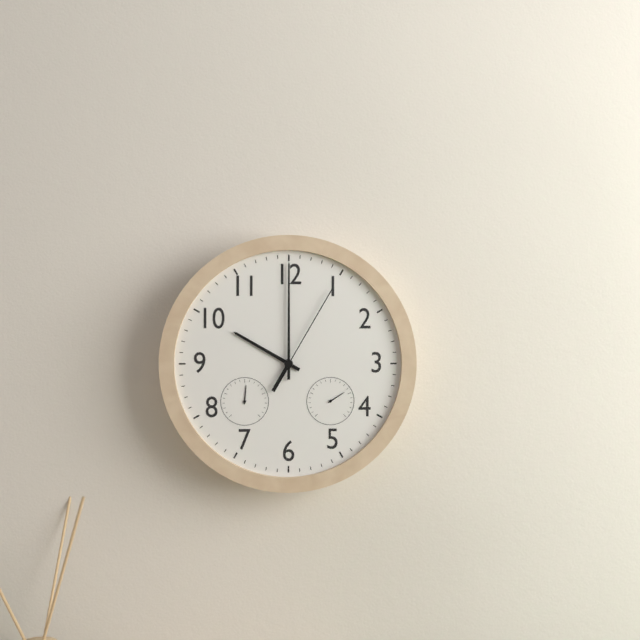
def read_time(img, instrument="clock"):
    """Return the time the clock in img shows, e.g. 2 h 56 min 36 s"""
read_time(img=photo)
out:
10 h 00 min 05 s
